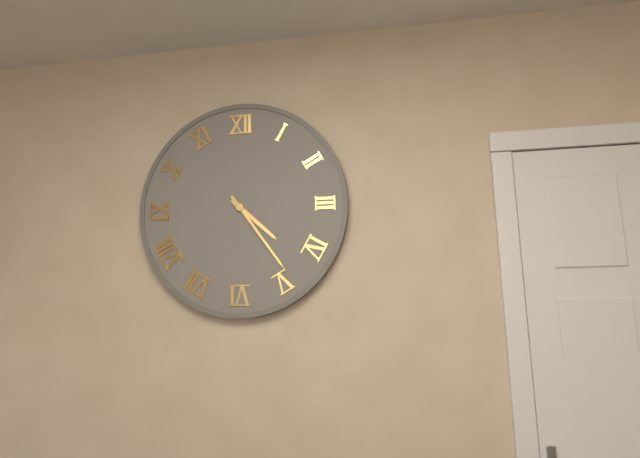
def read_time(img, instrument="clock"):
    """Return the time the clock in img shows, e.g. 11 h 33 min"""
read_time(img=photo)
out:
4 h 24 min
